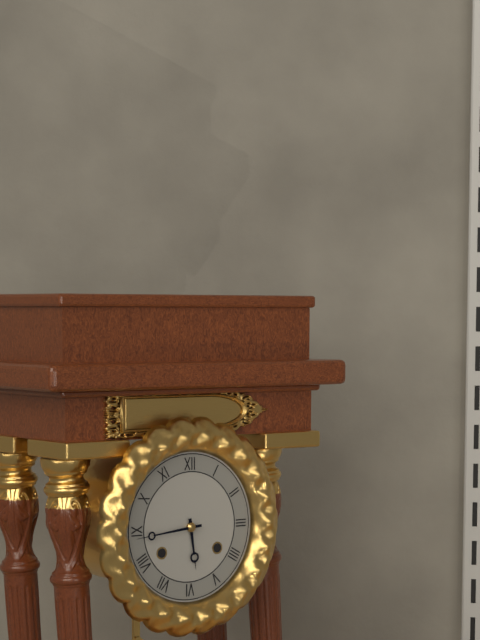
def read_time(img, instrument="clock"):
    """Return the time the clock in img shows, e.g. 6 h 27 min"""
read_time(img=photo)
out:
5 h 44 min
